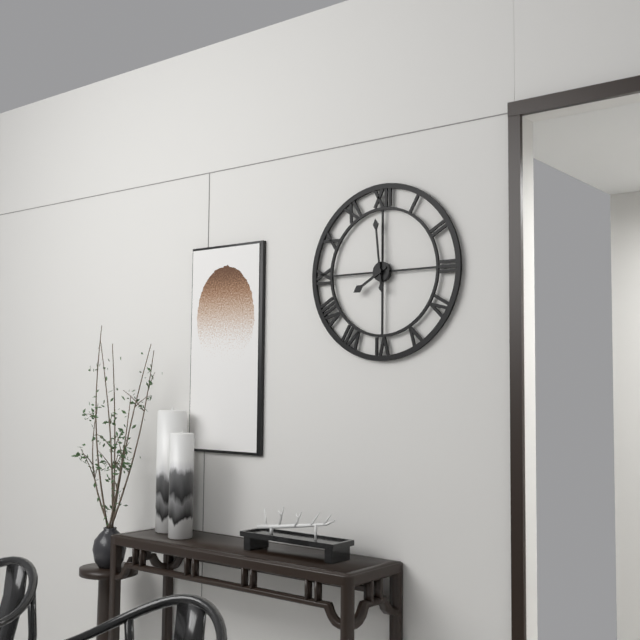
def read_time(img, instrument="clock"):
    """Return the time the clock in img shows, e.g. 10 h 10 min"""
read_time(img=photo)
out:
7 h 59 min
